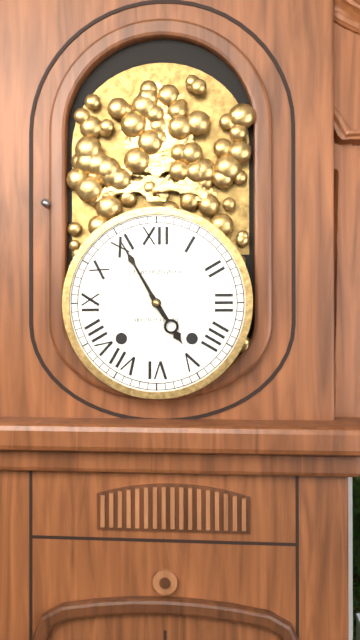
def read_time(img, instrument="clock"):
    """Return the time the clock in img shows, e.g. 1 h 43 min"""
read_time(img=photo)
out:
4 h 55 min
